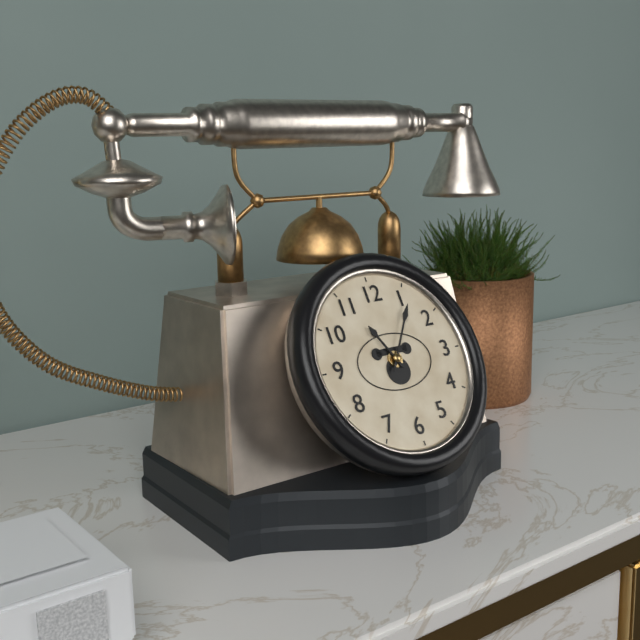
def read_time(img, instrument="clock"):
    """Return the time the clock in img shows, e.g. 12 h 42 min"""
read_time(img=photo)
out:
11 h 06 min
